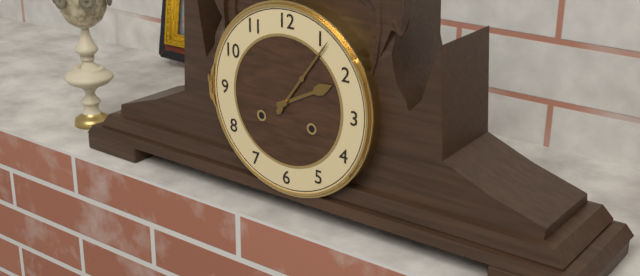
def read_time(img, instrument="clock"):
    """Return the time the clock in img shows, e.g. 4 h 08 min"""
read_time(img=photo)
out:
2 h 06 min
